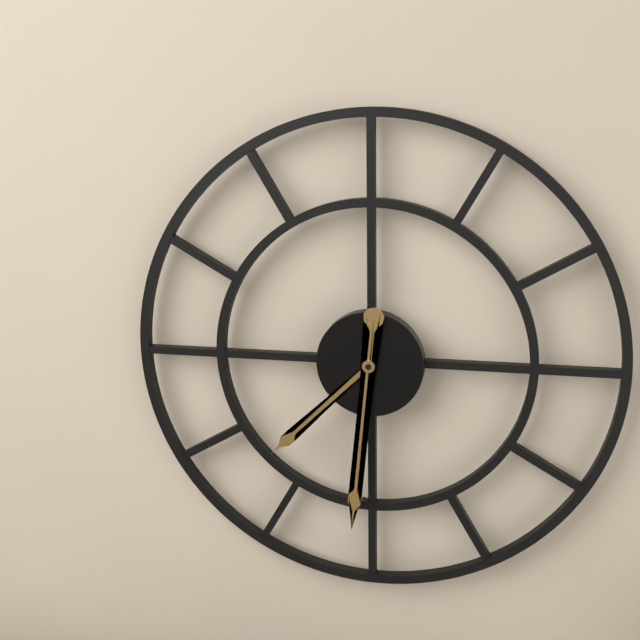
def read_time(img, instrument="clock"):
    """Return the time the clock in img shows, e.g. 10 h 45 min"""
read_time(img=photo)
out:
7 h 31 min
